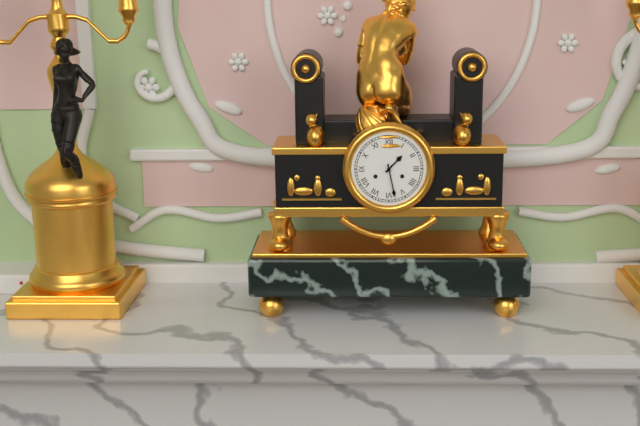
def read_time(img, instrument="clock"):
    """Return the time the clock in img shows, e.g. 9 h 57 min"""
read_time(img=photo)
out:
1 h 28 min
